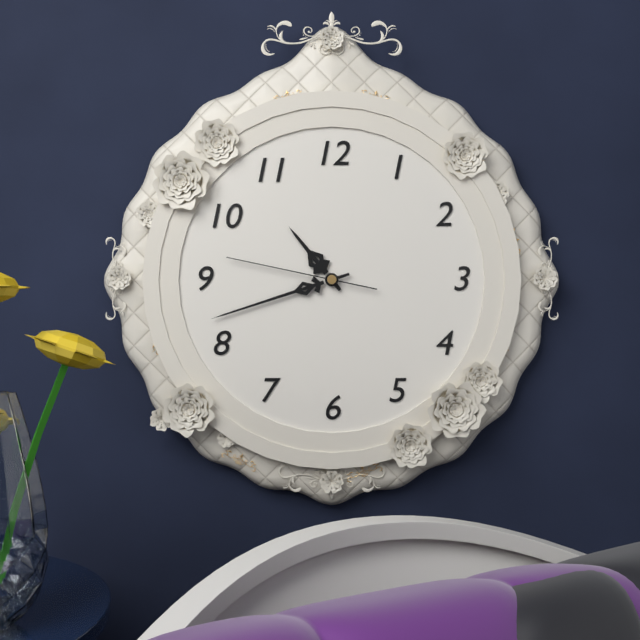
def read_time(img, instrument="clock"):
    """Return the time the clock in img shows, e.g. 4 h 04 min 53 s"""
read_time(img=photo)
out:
10 h 42 min 47 s
